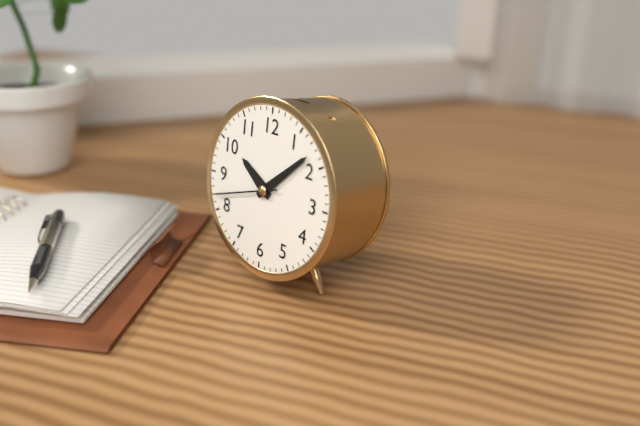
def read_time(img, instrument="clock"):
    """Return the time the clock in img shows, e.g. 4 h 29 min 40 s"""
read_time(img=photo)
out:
10 h 08 min 42 s
